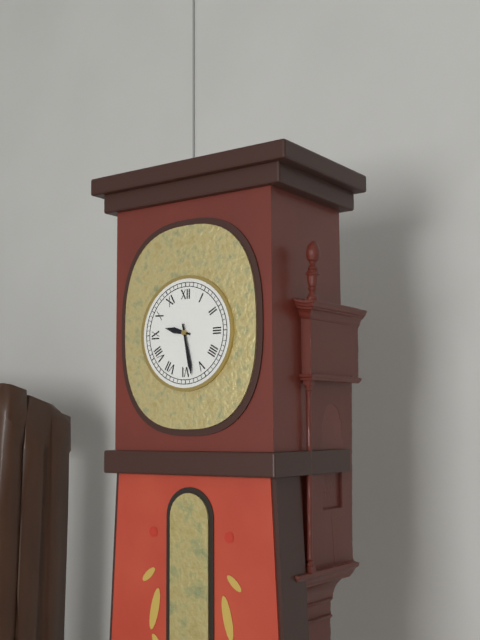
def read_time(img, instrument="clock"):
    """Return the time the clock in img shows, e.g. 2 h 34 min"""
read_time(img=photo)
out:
9 h 28 min
